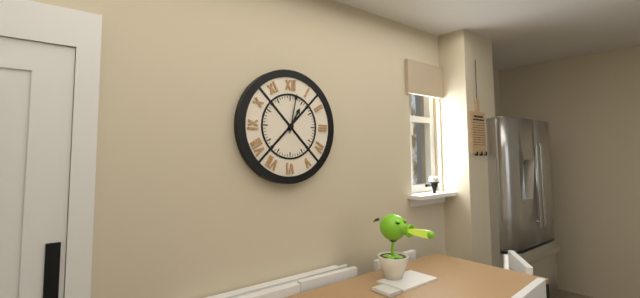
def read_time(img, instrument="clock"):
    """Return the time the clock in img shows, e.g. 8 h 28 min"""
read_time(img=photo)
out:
1 h 02 min
